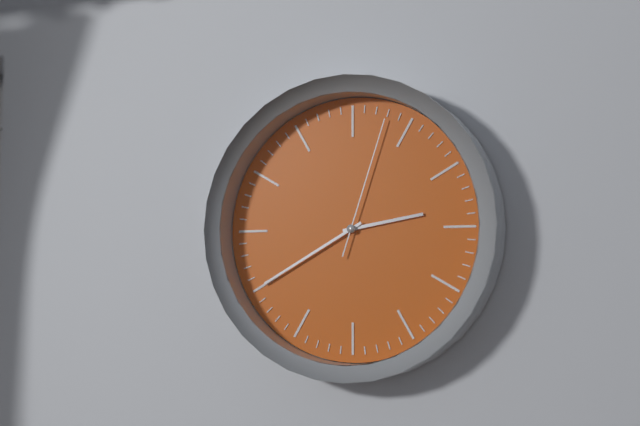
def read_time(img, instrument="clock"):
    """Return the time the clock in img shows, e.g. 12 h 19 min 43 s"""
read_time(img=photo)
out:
2 h 40 min 03 s
